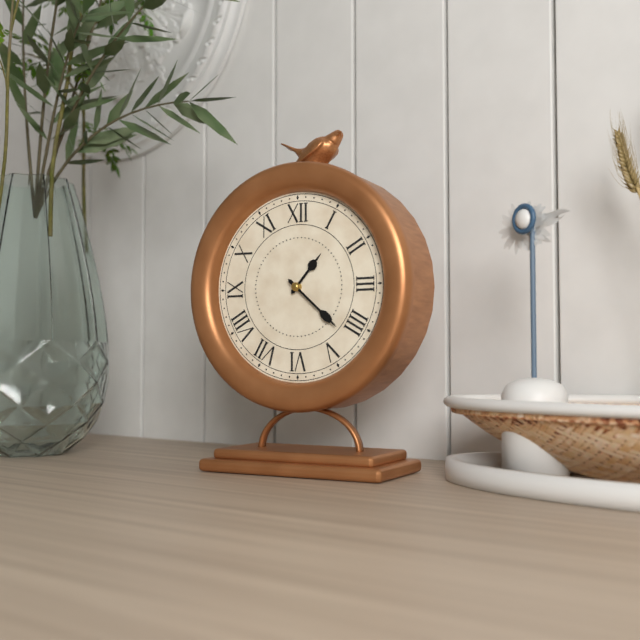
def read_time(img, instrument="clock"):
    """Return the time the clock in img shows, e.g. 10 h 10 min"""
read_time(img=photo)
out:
1 h 22 min
